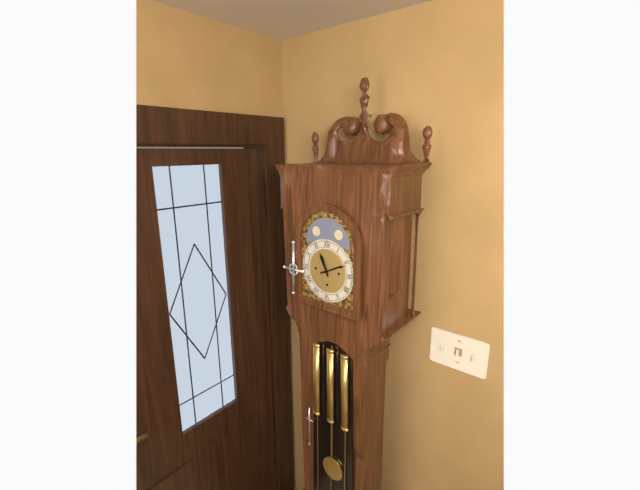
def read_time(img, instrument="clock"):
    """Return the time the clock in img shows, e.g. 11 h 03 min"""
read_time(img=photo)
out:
11 h 11 min
